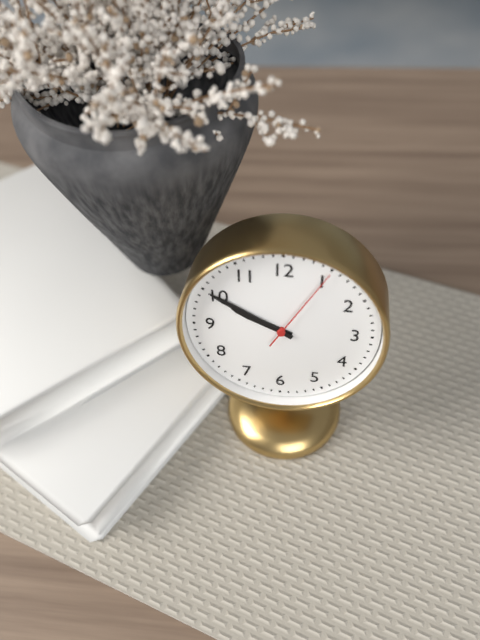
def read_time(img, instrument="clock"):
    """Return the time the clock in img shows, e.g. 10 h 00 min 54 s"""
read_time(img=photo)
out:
9 h 50 min 05 s
